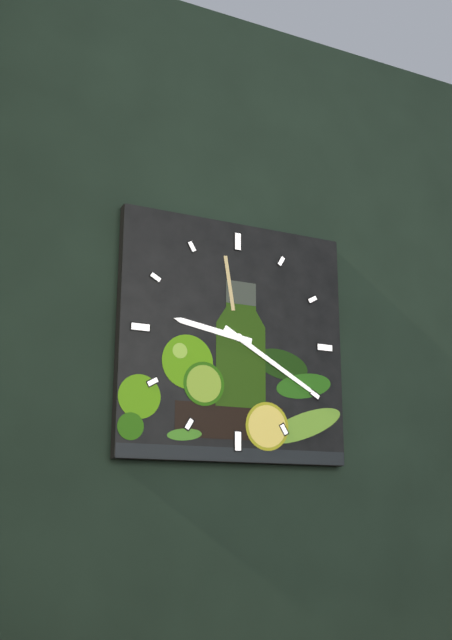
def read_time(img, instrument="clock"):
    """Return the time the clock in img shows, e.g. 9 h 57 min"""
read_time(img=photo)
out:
9 h 20 min
